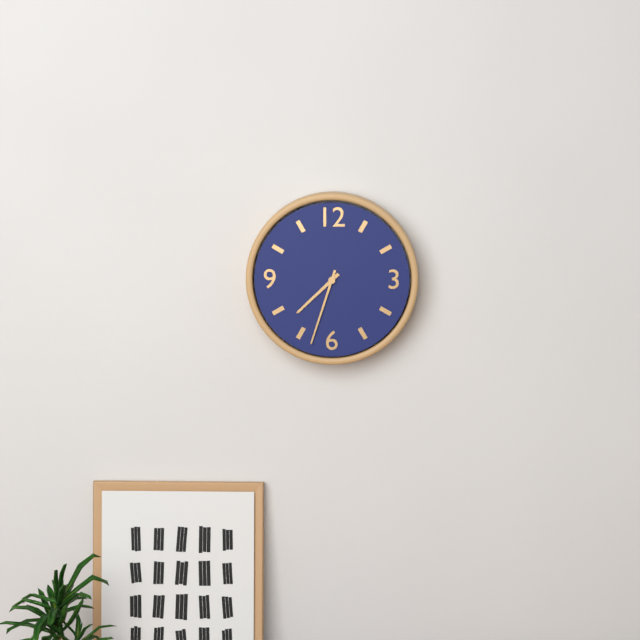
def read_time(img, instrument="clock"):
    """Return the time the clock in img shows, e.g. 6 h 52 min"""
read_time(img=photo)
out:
7 h 33 min
